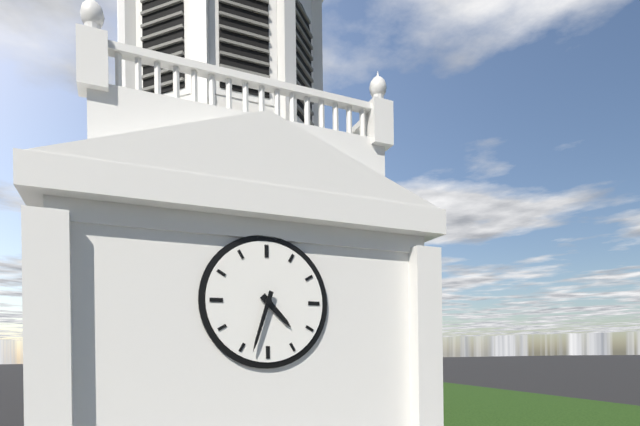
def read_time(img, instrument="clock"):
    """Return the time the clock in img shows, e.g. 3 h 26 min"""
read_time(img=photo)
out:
4 h 33 min
